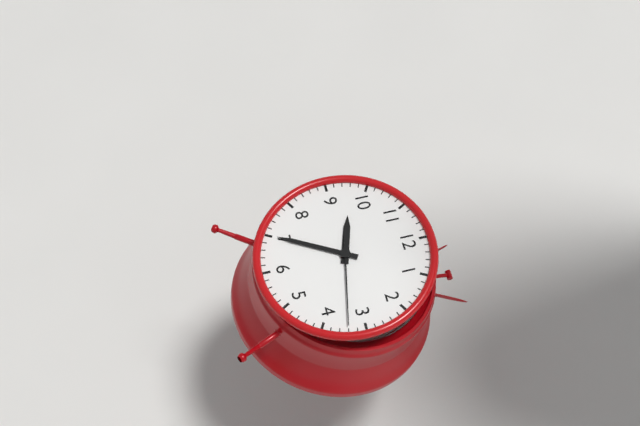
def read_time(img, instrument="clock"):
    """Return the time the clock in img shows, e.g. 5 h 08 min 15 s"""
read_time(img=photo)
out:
9 h 35 min 17 s
